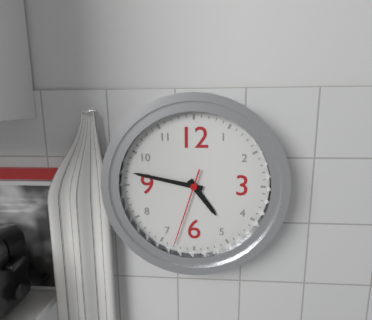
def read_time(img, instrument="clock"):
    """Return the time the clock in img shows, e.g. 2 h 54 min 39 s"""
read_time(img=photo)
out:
4 h 47 min 33 s
